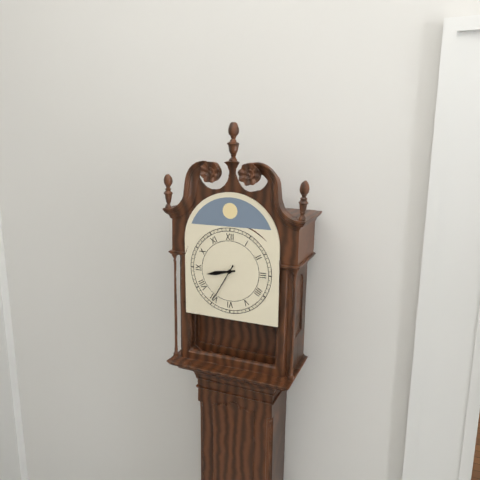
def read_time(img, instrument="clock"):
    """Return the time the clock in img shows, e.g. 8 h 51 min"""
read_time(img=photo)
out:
8 h 35 min
